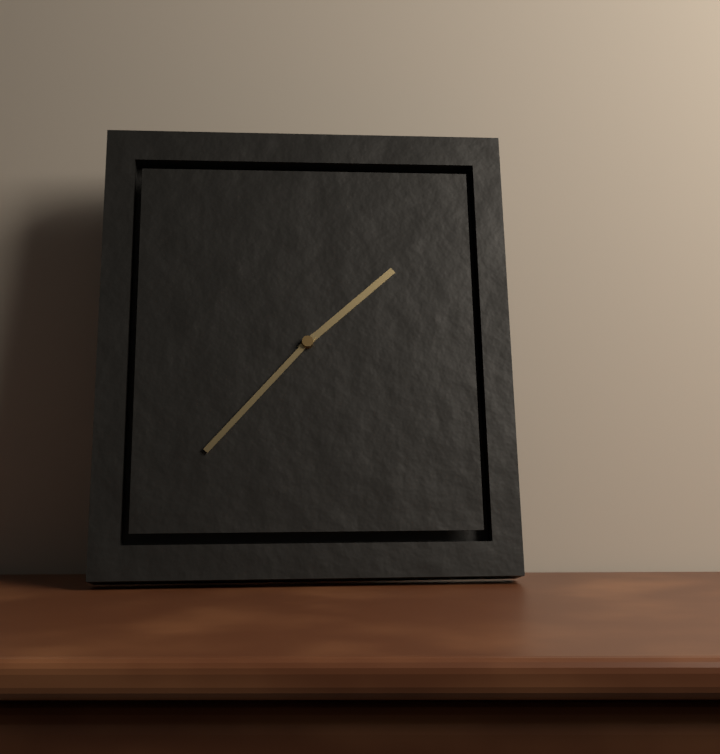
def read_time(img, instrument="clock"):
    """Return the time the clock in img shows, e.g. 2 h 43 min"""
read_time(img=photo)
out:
1 h 37 min
